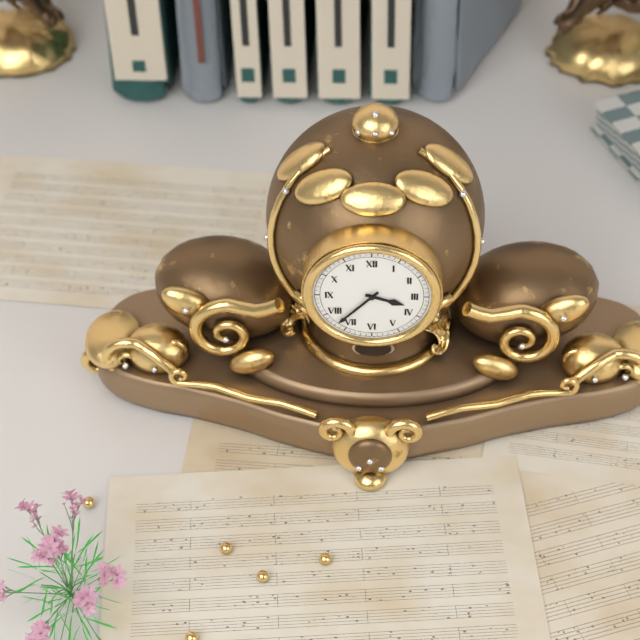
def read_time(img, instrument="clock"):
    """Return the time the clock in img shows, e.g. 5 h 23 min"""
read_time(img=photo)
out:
3 h 37 min
